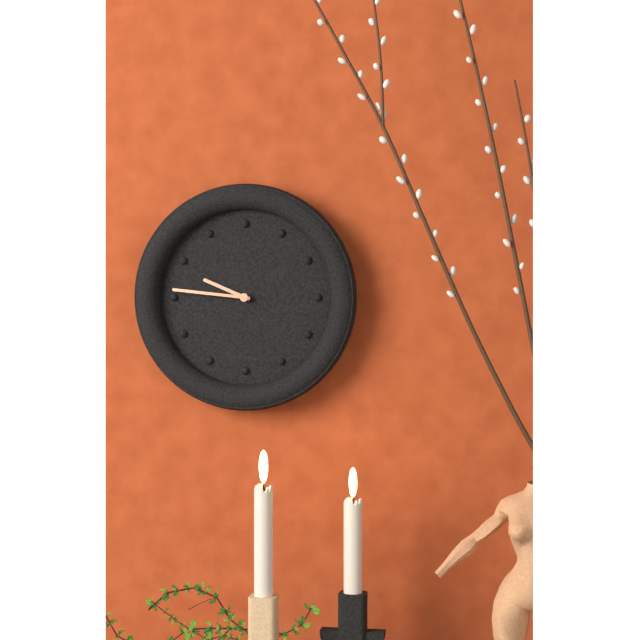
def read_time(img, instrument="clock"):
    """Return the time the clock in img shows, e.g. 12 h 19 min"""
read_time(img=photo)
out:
9 h 46 min
